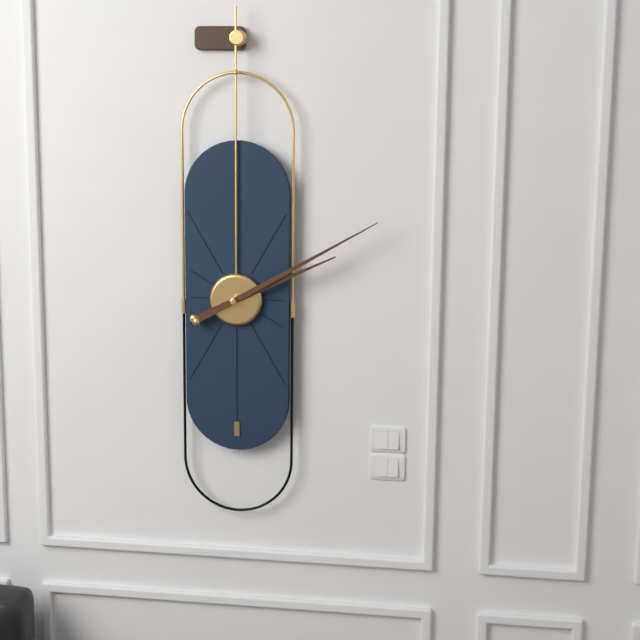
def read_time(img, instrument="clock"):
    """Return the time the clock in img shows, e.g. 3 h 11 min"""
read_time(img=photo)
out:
2 h 10 min
